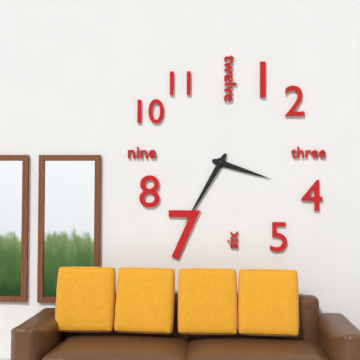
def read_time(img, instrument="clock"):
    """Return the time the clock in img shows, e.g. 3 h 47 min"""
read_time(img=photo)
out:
3 h 35 min
